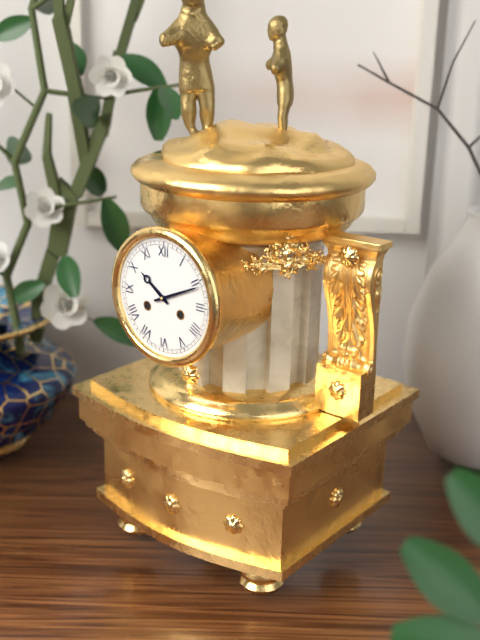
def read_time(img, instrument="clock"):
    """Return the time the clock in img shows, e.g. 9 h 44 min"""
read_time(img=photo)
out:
10 h 11 min
